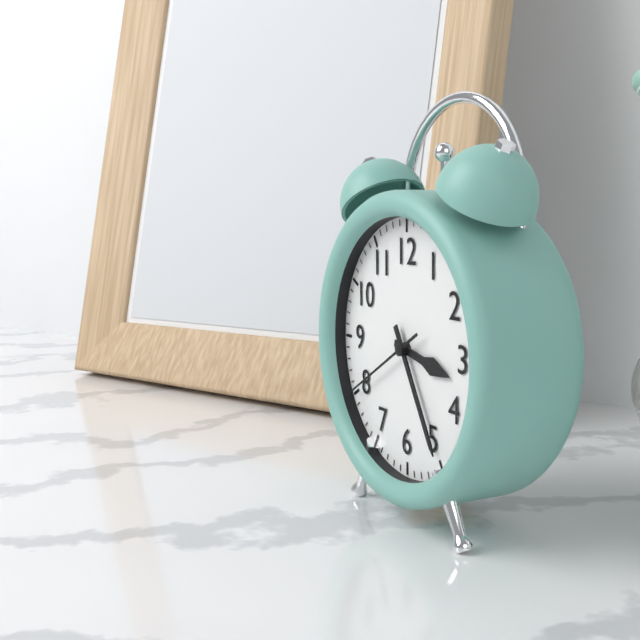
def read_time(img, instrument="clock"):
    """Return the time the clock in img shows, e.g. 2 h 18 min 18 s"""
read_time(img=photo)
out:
3 h 25 min 40 s
